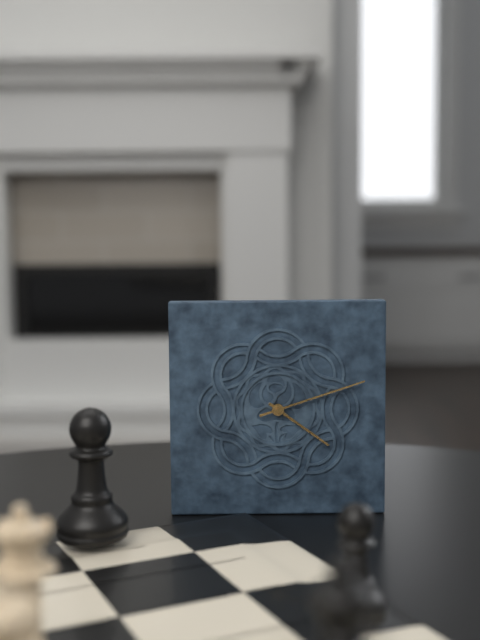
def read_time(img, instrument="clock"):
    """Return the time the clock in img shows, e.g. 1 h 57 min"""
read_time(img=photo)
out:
4 h 12 min
